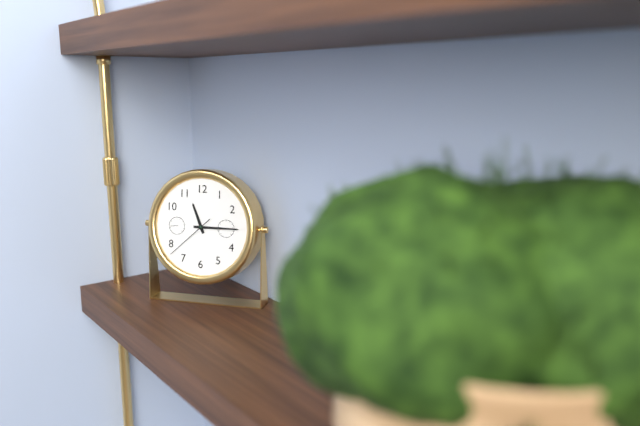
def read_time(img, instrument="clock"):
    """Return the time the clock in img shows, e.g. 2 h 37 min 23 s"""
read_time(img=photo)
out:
11 h 15 min 38 s
